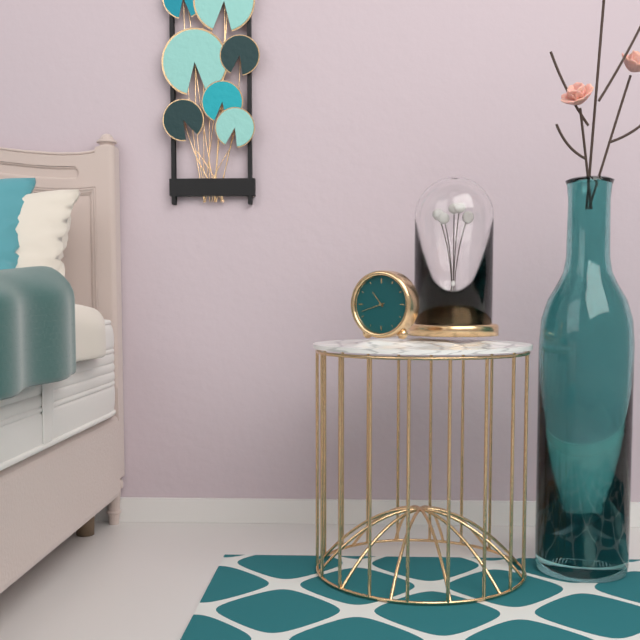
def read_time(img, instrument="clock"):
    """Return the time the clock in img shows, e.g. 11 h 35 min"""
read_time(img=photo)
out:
10 h 42 min
